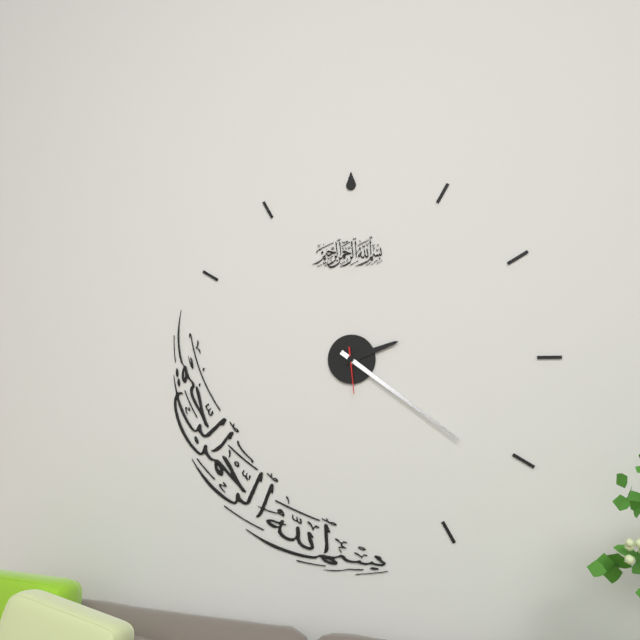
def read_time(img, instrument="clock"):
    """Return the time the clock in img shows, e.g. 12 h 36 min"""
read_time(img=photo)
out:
2 h 21 min
